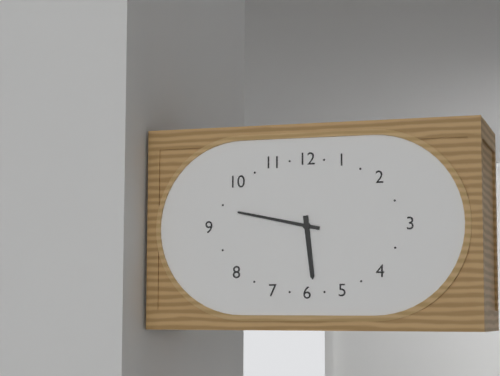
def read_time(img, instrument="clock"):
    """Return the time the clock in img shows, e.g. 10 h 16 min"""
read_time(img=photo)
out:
5 h 47 min
